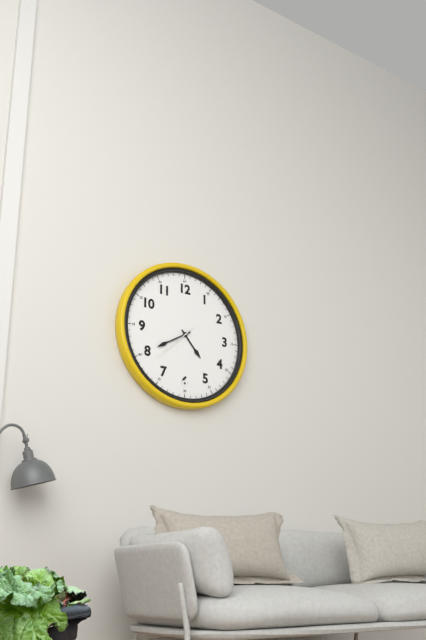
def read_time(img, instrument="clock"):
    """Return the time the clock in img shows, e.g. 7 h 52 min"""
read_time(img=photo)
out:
4 h 40 min
